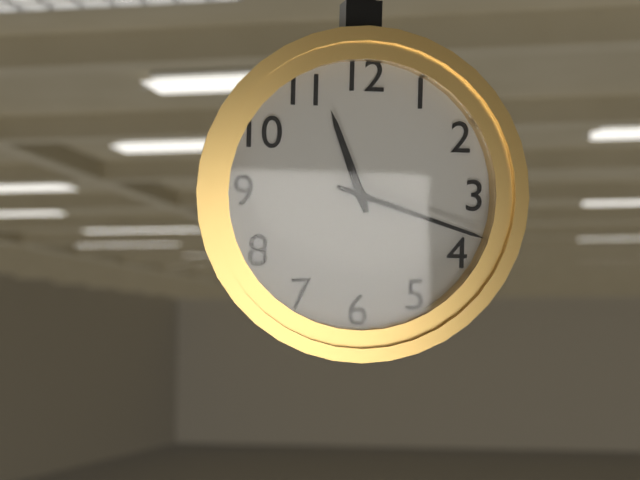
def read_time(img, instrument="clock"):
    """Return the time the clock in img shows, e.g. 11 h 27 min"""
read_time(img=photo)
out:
11 h 18 min
